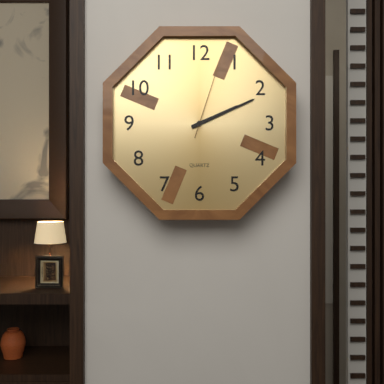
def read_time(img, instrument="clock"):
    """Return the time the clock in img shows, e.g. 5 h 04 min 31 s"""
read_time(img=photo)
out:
2 h 11 min 03 s
